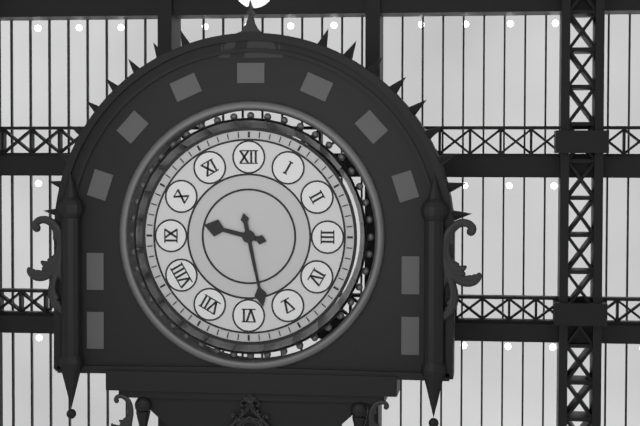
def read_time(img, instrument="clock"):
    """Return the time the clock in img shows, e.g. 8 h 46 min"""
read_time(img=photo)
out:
9 h 28 min
